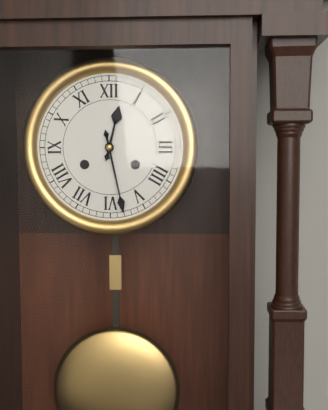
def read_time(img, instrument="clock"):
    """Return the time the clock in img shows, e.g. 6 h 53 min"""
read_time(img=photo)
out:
12 h 28 min
